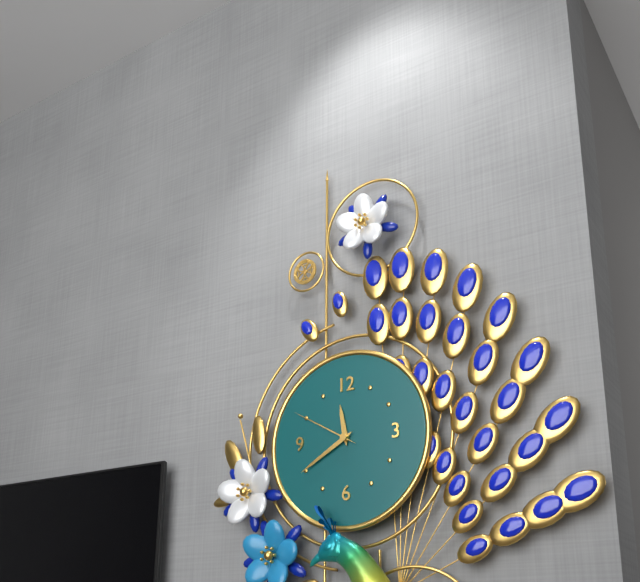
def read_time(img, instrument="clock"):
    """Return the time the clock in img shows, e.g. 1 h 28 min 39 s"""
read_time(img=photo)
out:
11 h 40 min 50 s
